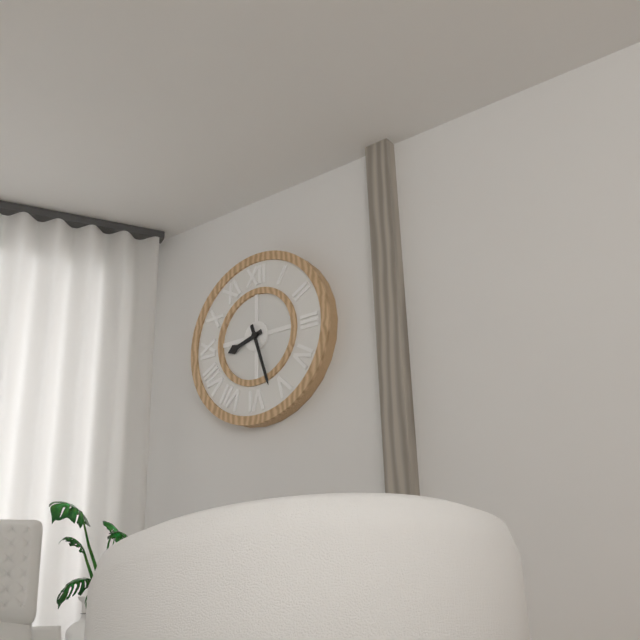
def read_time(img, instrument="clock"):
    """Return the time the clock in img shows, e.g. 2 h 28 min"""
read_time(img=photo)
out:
8 h 27 min
